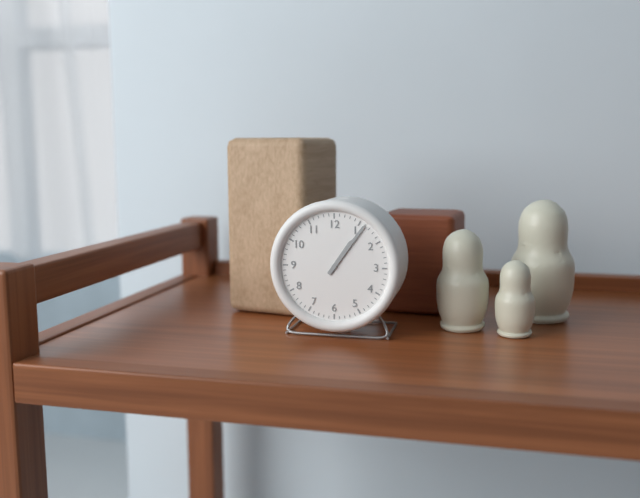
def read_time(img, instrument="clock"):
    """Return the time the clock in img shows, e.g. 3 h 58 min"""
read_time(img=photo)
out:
1 h 06 min
